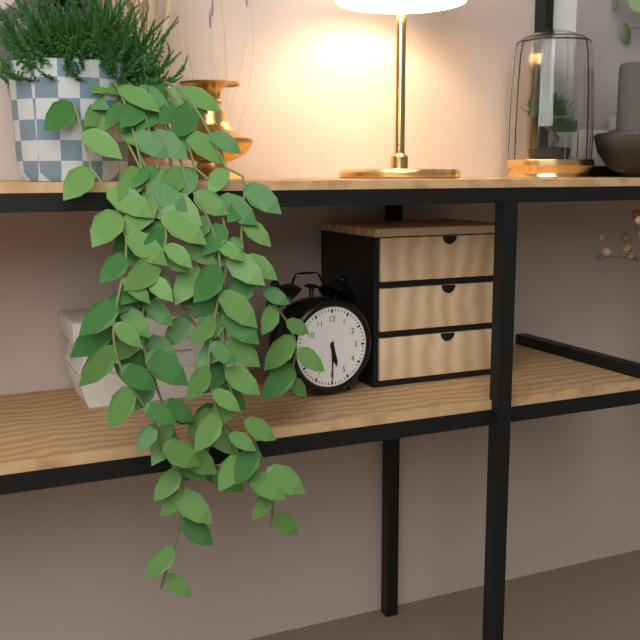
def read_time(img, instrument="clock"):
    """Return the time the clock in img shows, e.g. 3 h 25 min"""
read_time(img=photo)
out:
5 h 30 min
